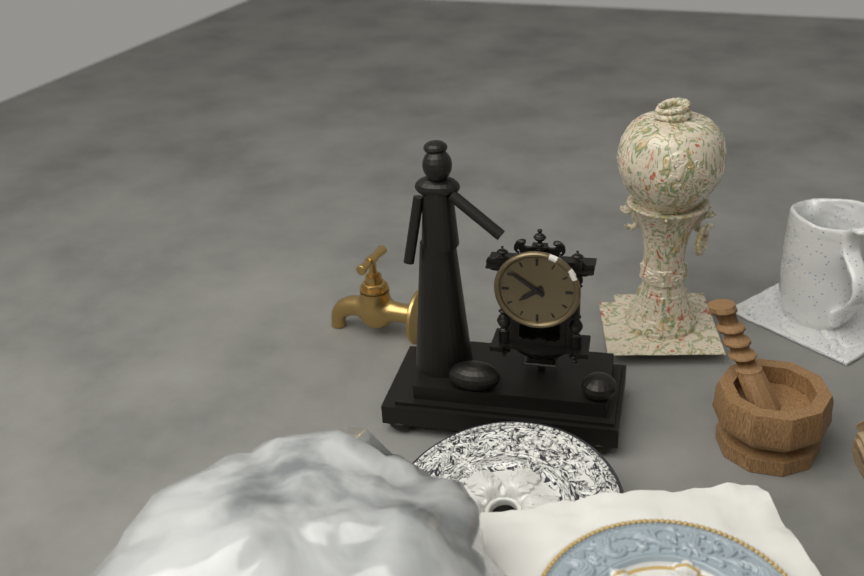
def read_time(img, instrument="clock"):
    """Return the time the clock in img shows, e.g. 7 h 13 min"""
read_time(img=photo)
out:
7 h 51 min
